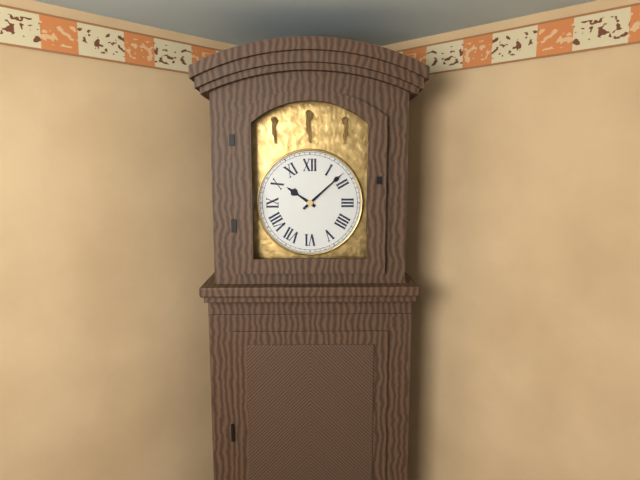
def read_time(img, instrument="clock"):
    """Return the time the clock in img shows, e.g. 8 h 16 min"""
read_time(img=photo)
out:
10 h 08 min
